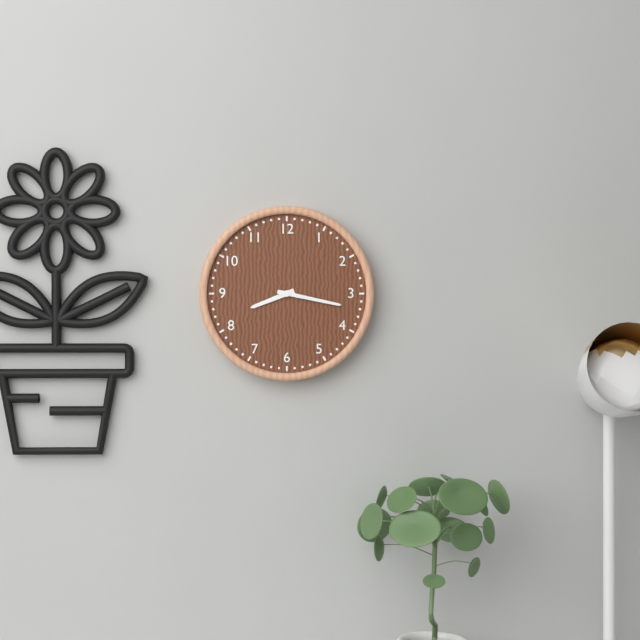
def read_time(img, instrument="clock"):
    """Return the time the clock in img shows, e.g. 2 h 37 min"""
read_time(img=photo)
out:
8 h 17 min
